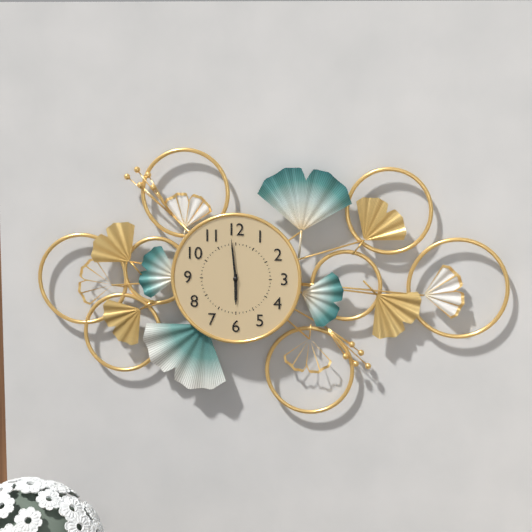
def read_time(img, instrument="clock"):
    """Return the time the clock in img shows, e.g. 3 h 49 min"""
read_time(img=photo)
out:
5 h 59 min
